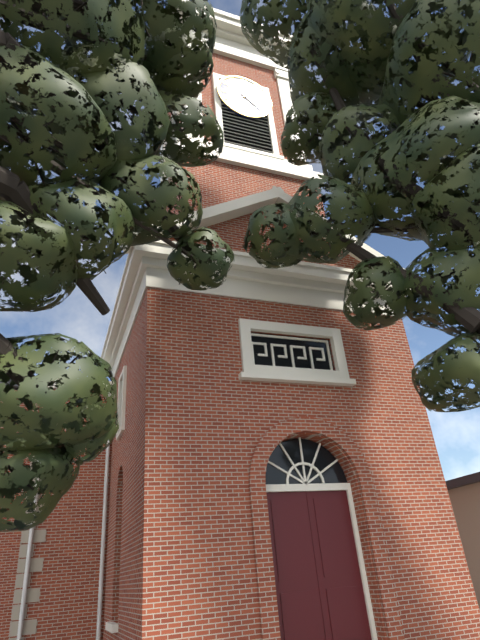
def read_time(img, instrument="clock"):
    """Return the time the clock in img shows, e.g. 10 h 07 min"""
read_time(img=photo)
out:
1 h 22 min
